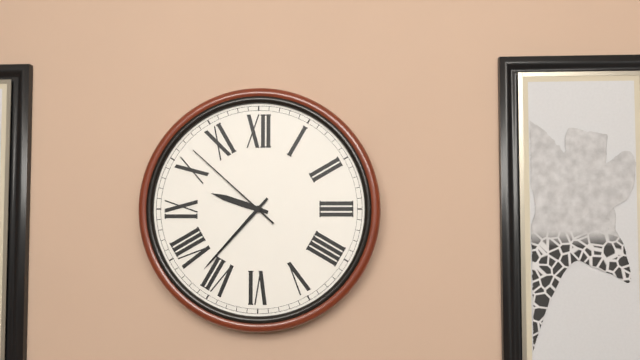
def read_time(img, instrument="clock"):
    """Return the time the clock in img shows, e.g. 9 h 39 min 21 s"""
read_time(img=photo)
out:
9 h 37 min 52 s
